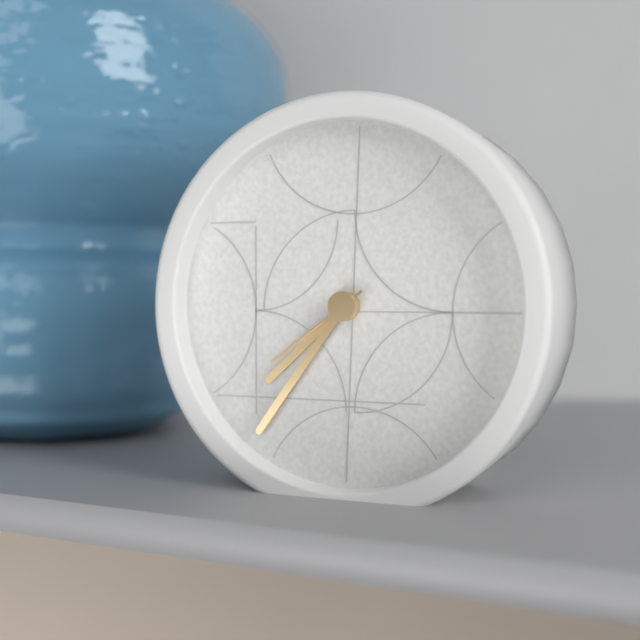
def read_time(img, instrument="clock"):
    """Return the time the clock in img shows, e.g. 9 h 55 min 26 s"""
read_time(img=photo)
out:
7 h 36 min 39 s
